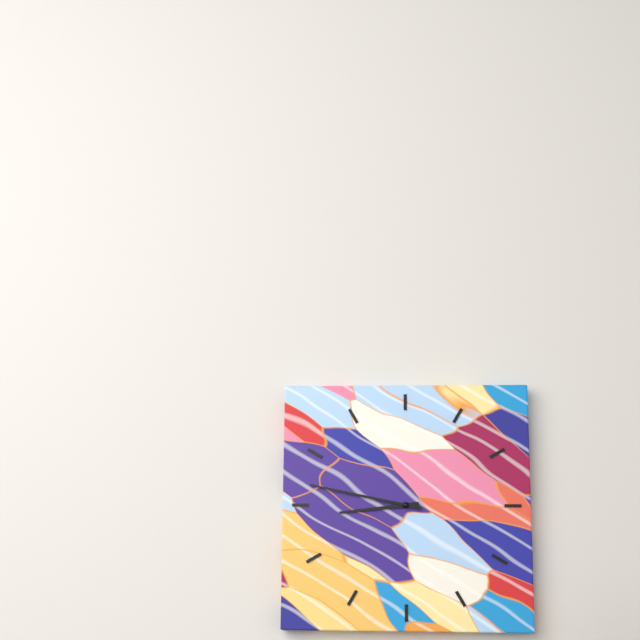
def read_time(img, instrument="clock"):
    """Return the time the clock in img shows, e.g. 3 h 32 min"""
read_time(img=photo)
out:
8 h 47 min
